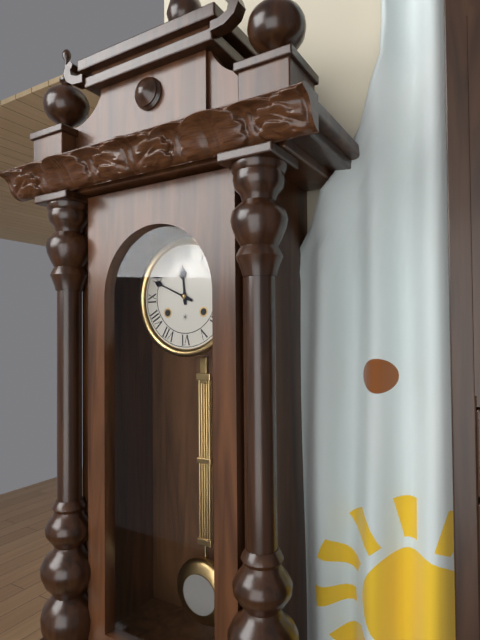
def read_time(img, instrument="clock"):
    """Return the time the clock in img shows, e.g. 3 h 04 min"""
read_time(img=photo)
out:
11 h 49 min
